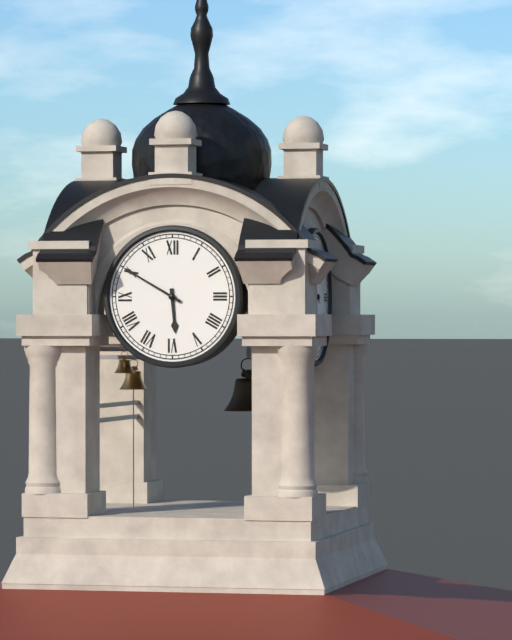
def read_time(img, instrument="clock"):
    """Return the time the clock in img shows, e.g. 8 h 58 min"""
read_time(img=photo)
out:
5 h 50 min
